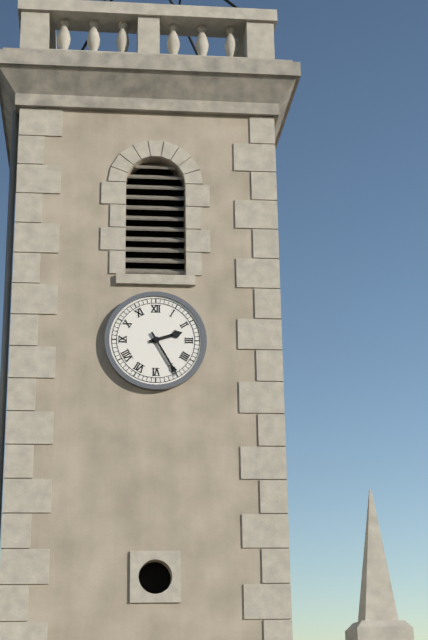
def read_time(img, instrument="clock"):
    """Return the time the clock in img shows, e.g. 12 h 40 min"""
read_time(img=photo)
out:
2 h 25 min
